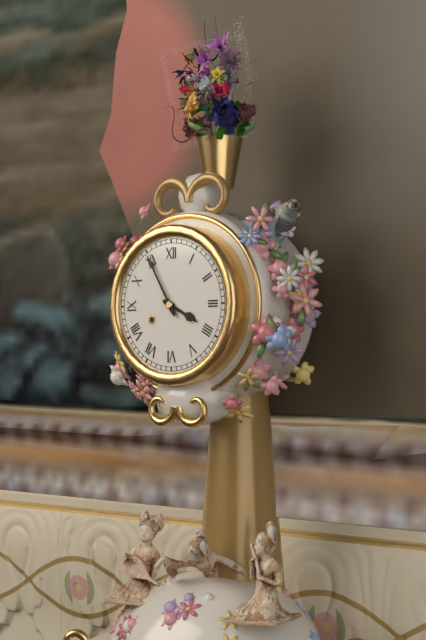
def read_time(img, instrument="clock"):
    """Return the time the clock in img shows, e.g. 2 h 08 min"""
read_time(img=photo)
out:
3 h 55 min
